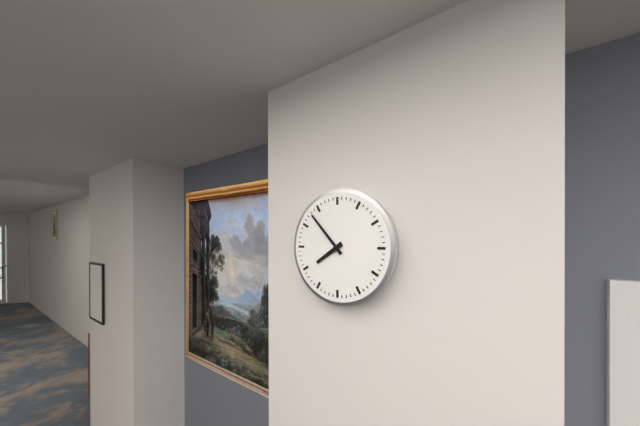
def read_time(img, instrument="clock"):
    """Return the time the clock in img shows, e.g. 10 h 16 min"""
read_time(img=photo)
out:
7 h 53 min
